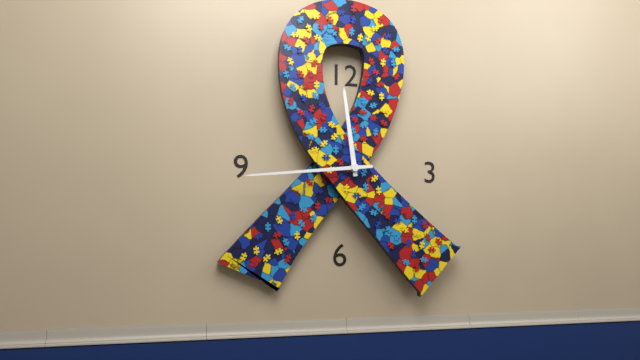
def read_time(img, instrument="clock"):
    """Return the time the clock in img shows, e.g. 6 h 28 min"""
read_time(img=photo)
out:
11 h 44 min
